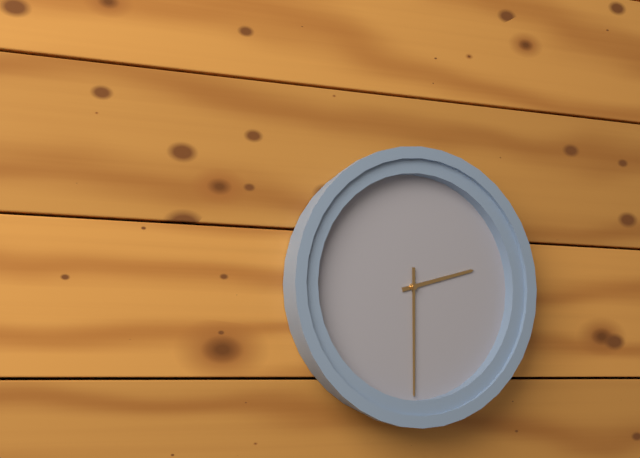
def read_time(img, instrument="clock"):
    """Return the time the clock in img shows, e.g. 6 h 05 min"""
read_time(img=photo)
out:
2 h 30 min
